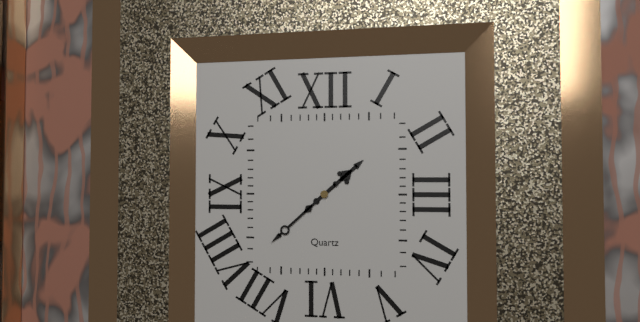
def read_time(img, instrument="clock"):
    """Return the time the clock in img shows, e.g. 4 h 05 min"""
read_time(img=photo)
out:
1 h 38 min
